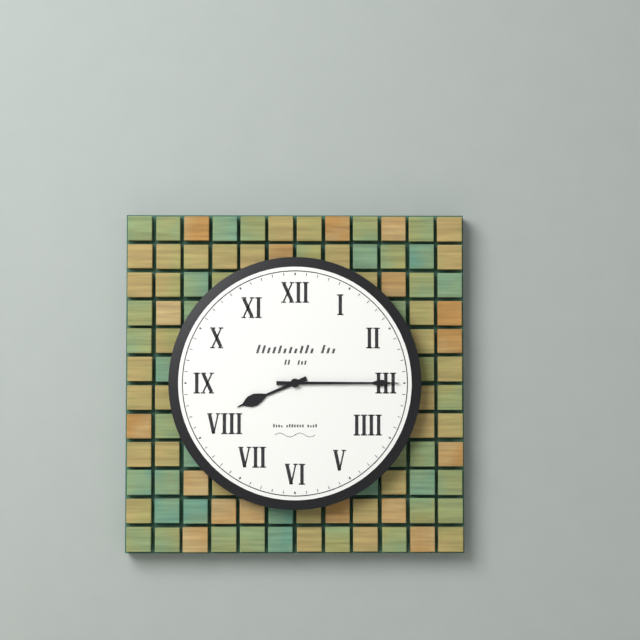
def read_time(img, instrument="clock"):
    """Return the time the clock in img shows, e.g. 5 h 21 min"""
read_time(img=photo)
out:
8 h 15 min
